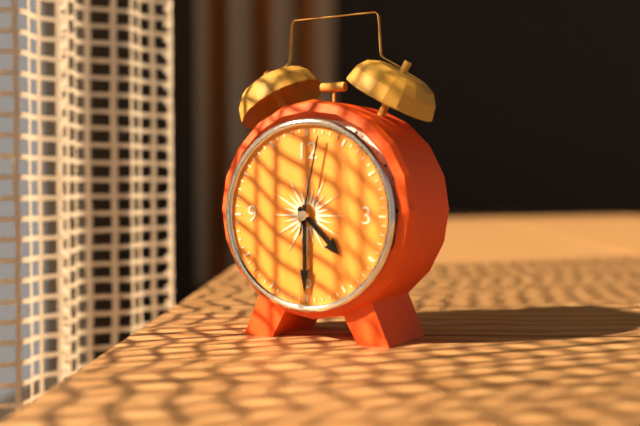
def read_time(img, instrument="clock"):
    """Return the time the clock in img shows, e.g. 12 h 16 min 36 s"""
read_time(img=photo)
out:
4 h 30 min 02 s
